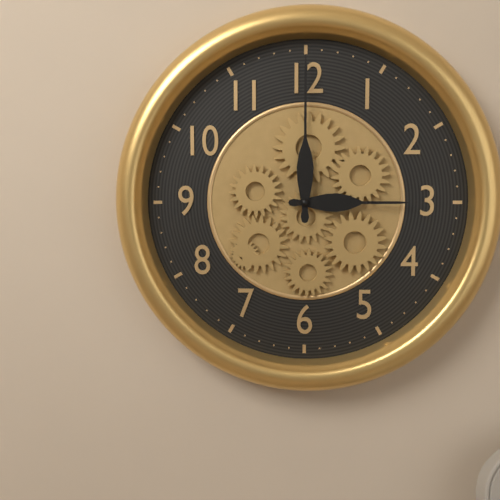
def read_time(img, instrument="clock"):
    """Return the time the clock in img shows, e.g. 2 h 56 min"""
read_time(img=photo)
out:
3 h 00 min
